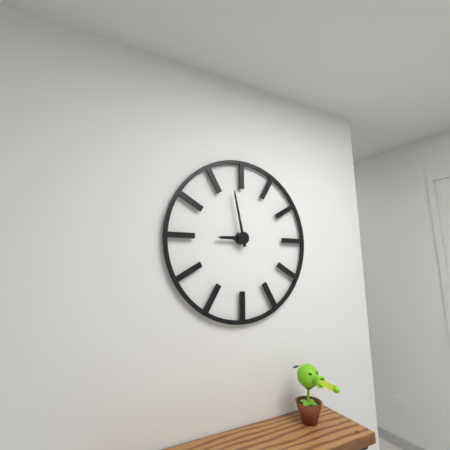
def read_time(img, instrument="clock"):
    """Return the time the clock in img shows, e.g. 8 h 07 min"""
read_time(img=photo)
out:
8 h 58 min
